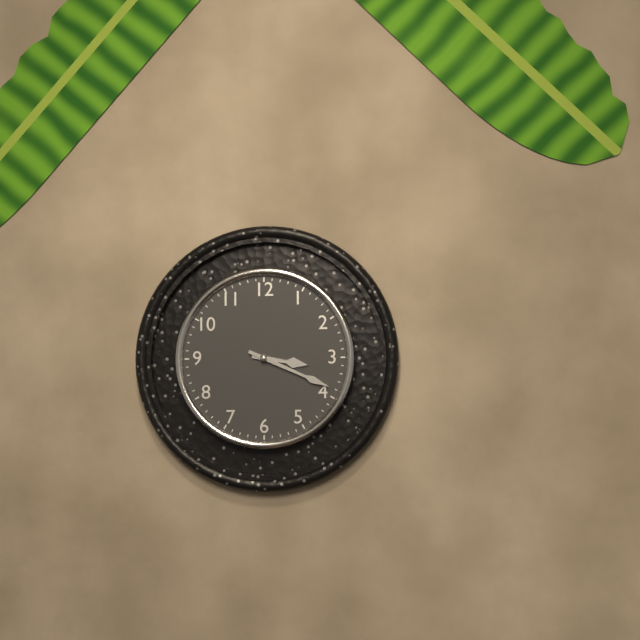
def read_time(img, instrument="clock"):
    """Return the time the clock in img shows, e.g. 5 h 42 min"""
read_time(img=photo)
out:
3 h 19 min
